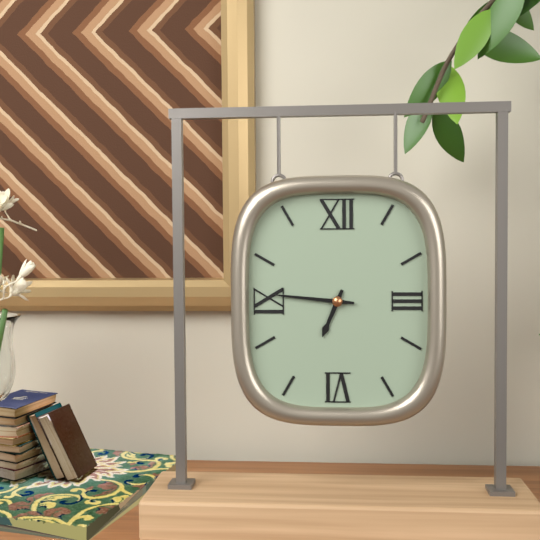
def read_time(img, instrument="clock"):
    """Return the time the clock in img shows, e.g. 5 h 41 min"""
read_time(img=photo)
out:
6 h 46 min
